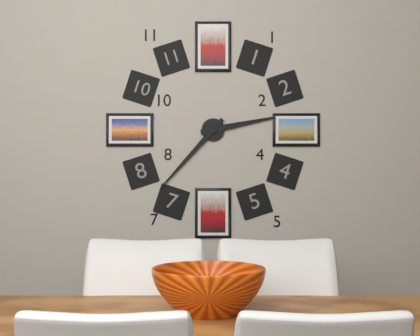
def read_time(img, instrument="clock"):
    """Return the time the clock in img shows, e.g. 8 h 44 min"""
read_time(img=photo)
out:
2 h 37 min
